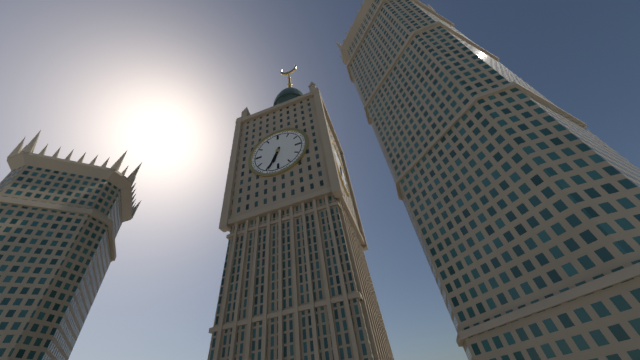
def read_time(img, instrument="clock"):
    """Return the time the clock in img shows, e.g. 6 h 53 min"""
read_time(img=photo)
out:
6 h 34 min
